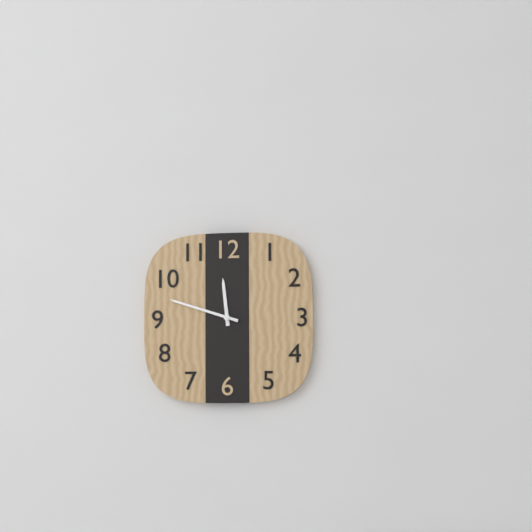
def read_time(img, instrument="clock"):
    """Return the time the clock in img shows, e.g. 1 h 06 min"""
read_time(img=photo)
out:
11 h 48 min
